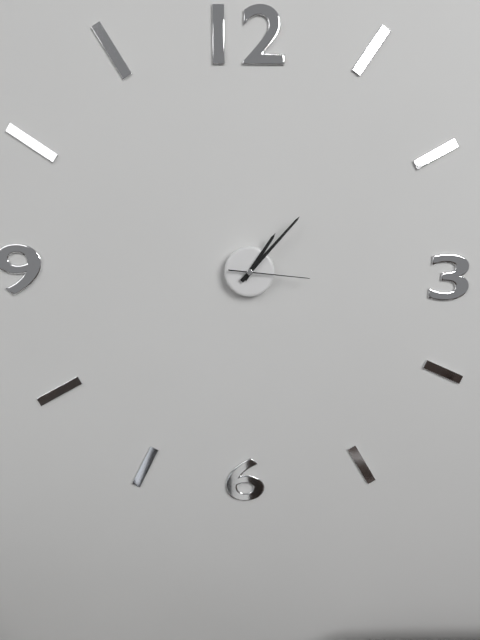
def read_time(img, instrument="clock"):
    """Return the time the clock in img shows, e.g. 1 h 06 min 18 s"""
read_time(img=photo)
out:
1 h 07 min 16 s
